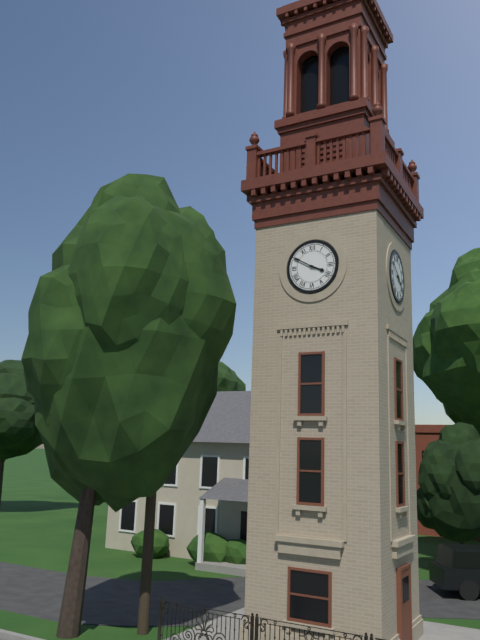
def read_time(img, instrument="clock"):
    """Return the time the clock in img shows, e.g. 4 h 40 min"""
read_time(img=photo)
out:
3 h 50 min
